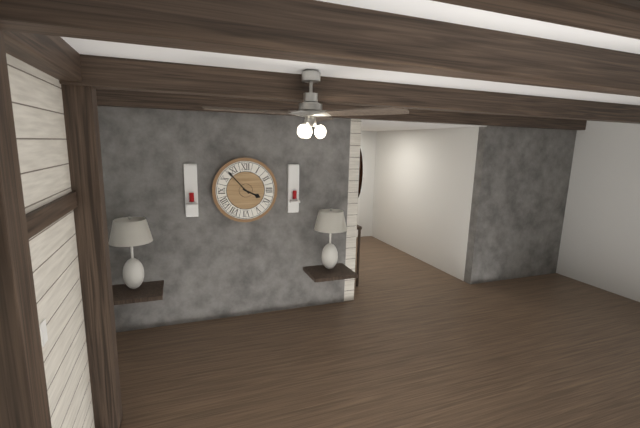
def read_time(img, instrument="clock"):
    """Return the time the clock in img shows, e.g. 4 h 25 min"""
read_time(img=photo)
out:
3 h 53 min
